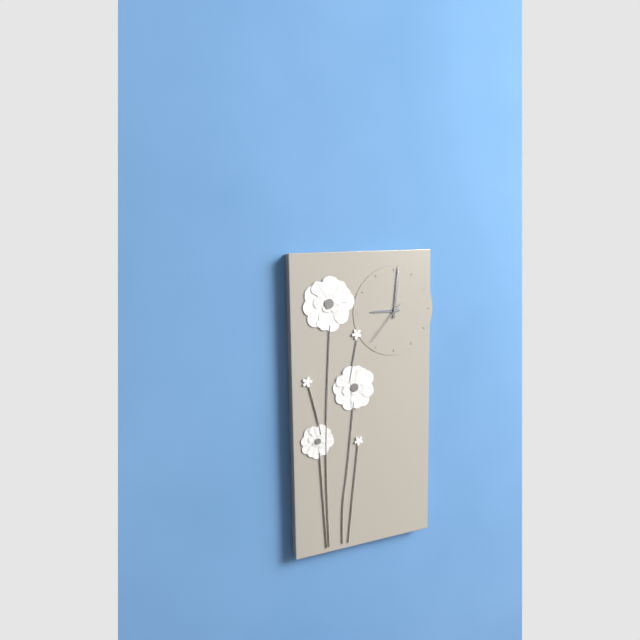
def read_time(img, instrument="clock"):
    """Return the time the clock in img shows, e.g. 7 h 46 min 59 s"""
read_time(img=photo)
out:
9 h 01 min 37 s
